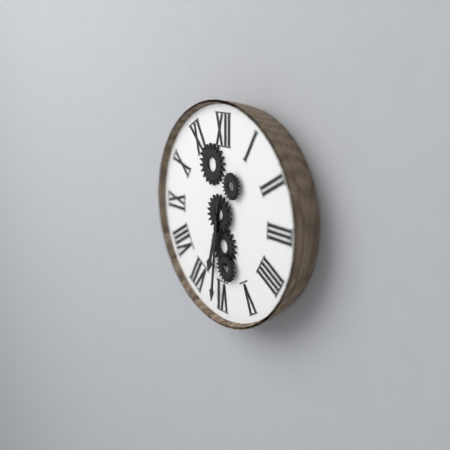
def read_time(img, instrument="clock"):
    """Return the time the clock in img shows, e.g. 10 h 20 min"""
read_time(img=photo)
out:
6 h 31 min
